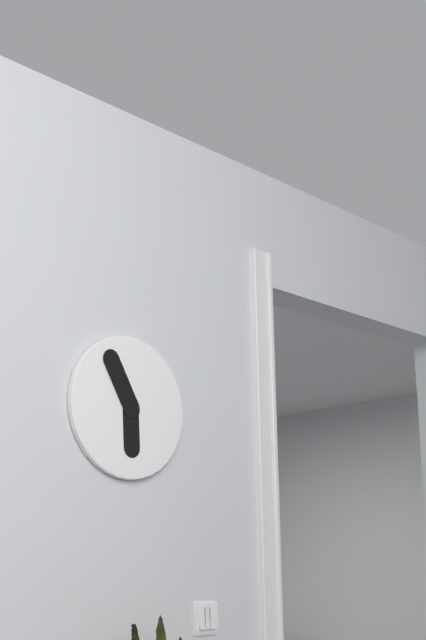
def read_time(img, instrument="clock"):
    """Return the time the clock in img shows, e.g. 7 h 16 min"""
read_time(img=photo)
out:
5 h 55 min
